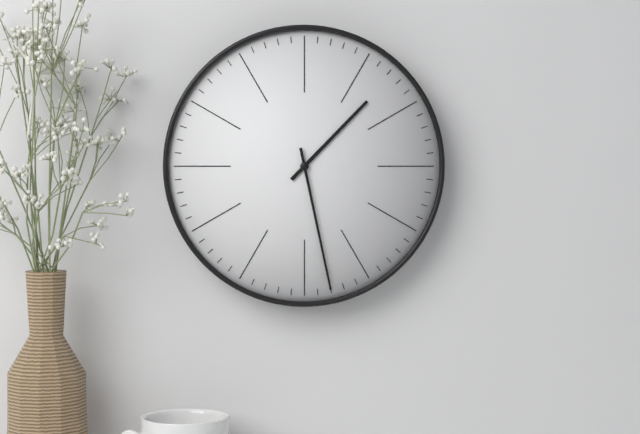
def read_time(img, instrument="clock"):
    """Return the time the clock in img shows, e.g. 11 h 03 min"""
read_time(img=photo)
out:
1 h 28 min
